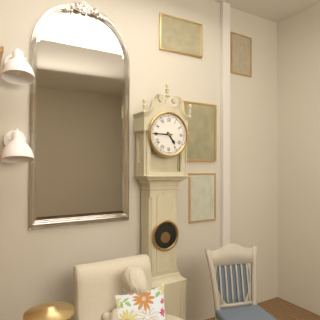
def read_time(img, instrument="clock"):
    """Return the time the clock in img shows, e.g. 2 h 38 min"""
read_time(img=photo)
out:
4 h 45 min
